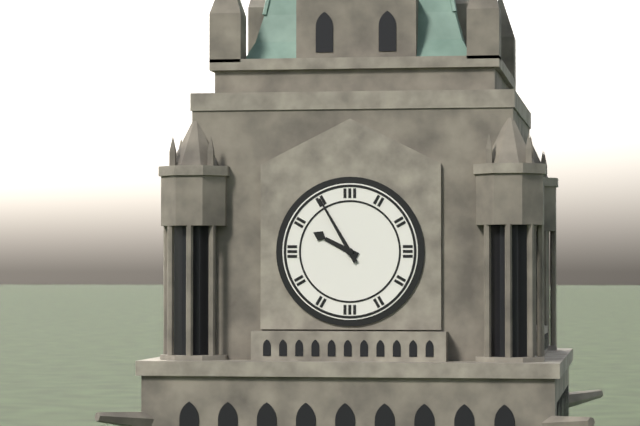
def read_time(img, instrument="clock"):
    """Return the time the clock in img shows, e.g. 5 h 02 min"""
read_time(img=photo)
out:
9 h 55 min
